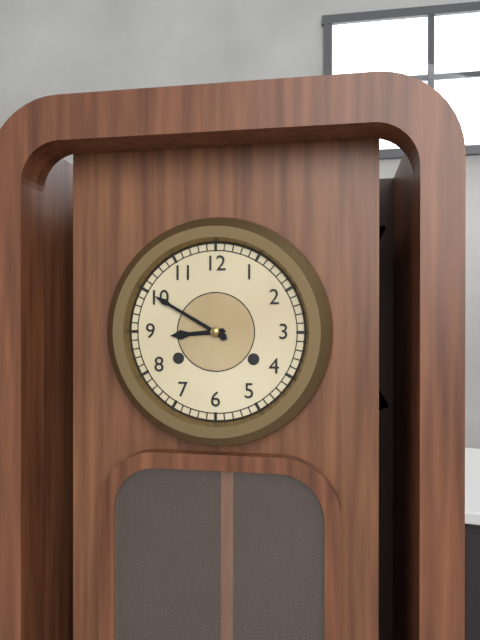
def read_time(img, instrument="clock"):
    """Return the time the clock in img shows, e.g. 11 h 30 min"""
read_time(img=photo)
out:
8 h 50 min
